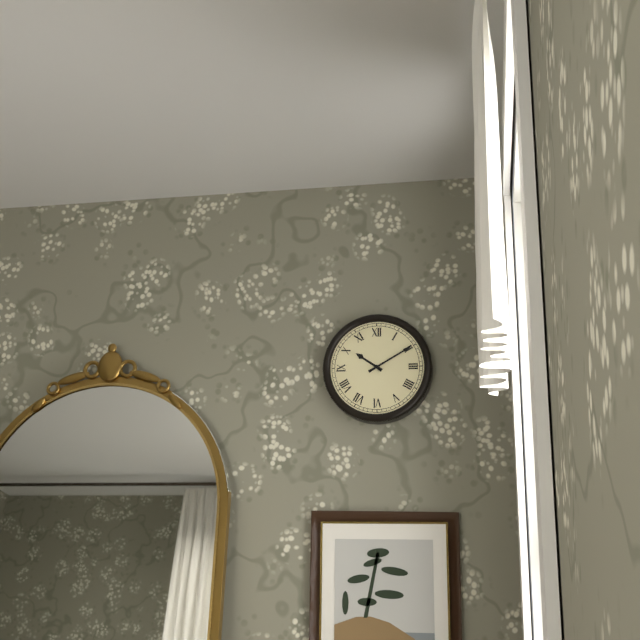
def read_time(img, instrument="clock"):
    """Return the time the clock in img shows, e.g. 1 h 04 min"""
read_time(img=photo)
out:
10 h 10 min
